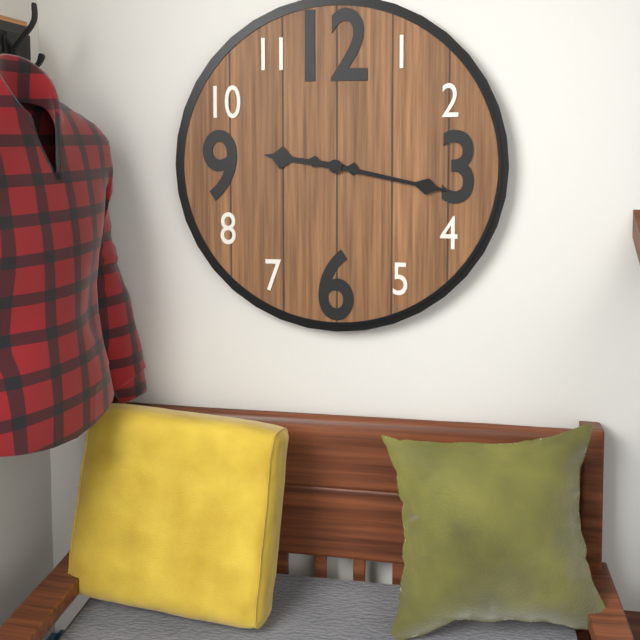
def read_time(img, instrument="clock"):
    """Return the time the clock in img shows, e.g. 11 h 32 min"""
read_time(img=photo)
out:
9 h 17 min
